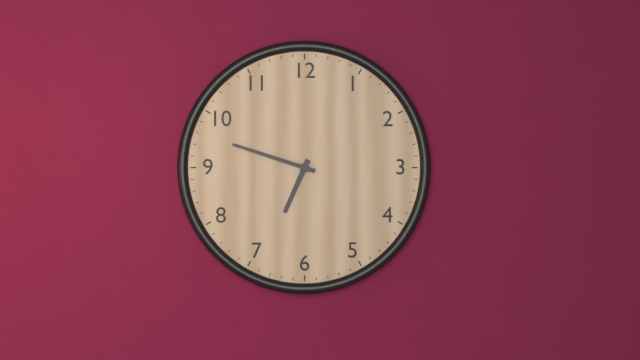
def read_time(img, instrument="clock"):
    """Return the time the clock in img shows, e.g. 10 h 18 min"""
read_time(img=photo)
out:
6 h 48 min
